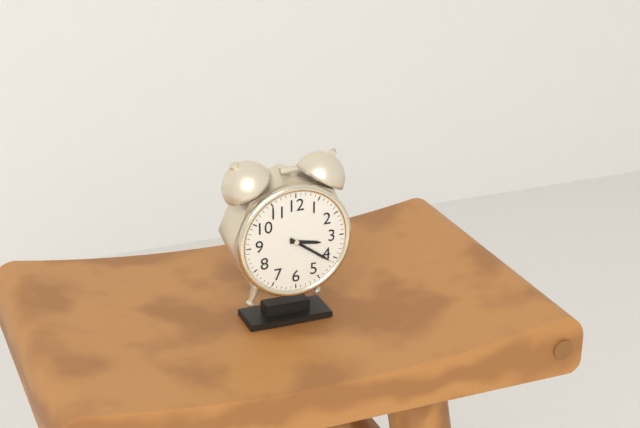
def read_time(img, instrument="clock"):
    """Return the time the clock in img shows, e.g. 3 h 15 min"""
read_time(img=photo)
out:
3 h 21 min
